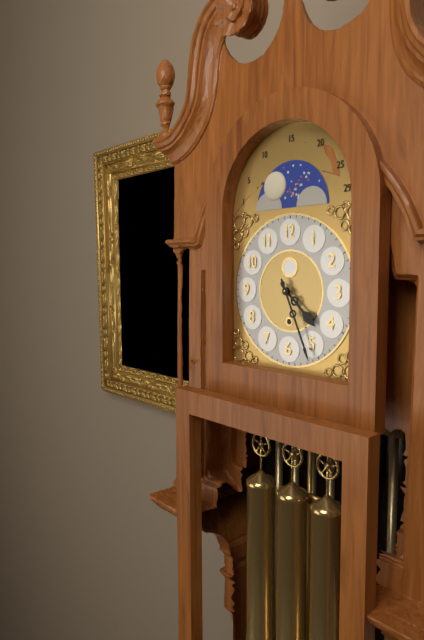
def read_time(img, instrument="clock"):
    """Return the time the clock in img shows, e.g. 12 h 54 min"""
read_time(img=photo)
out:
4 h 26 min
